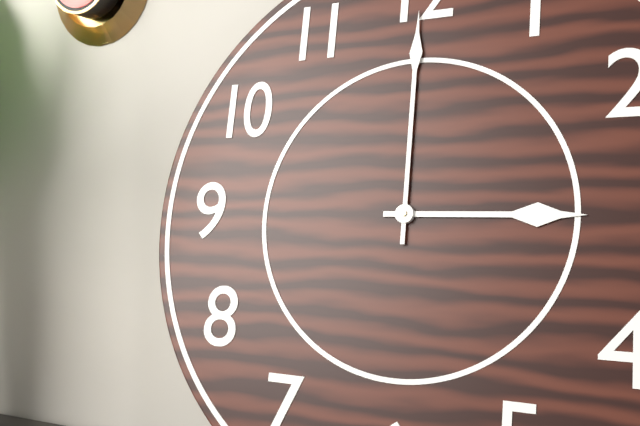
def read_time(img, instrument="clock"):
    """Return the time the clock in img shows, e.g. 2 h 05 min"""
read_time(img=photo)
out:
3 h 00 min
